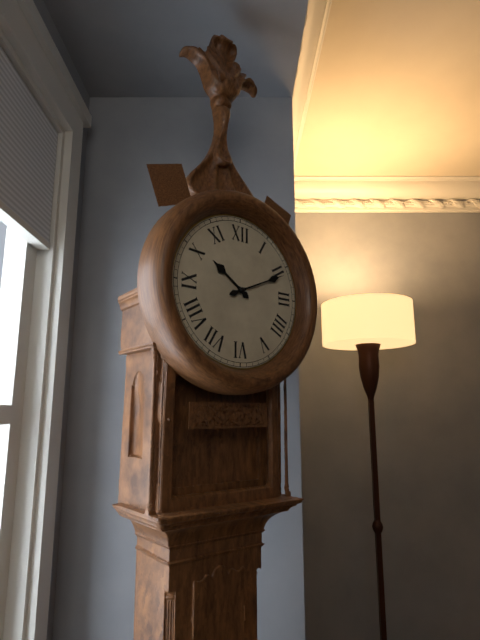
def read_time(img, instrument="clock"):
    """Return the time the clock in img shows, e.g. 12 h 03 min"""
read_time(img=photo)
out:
10 h 11 min
